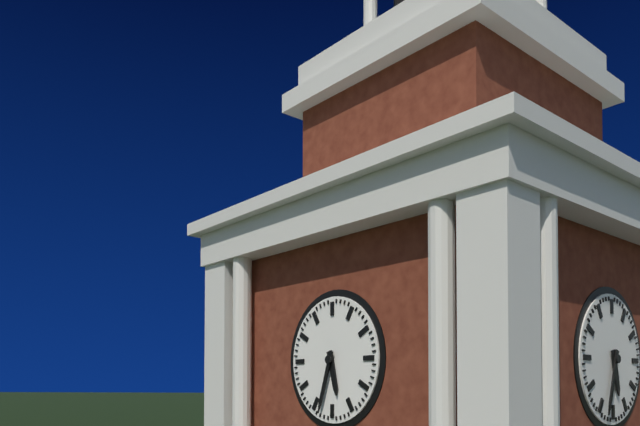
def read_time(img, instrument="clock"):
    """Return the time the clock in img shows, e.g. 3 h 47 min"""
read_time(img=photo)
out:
5 h 33 min
